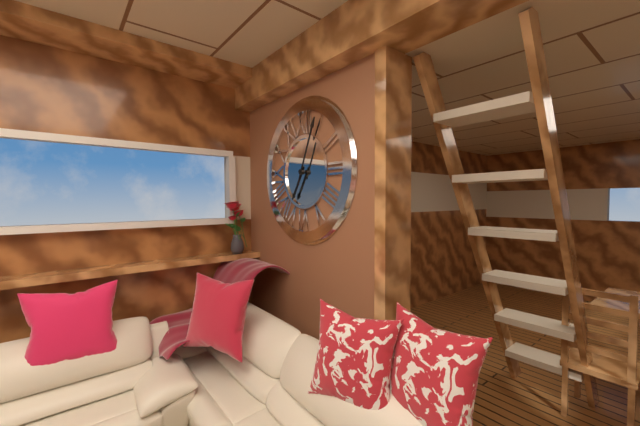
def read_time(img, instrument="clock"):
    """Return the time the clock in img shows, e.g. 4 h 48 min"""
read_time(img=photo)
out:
7 h 04 min
